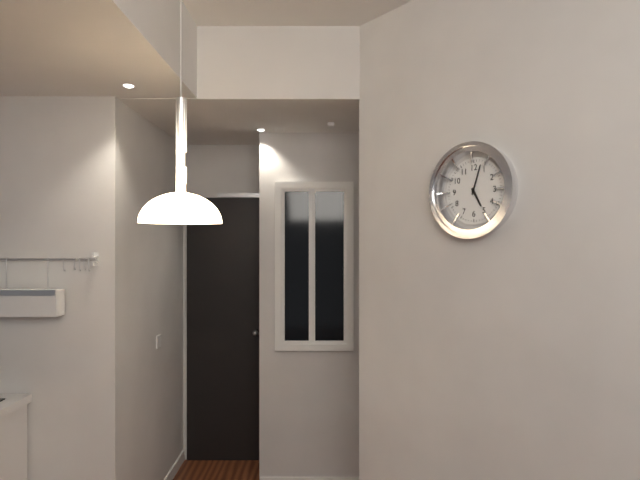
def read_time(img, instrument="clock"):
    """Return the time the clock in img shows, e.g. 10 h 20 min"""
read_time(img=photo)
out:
5 h 03 min
